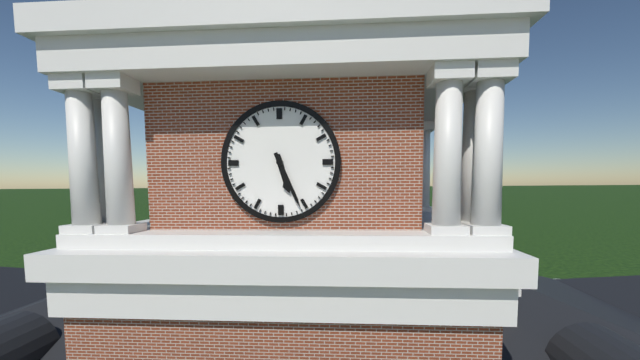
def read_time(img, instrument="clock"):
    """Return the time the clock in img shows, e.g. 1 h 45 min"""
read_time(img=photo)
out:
5 h 26 min
